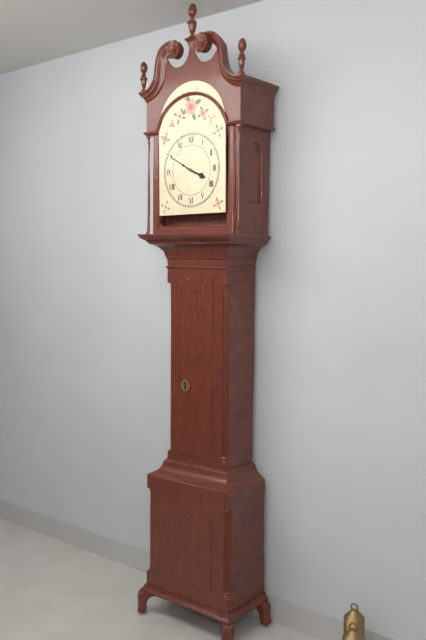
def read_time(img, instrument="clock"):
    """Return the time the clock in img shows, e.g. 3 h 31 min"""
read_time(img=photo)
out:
3 h 50 min
